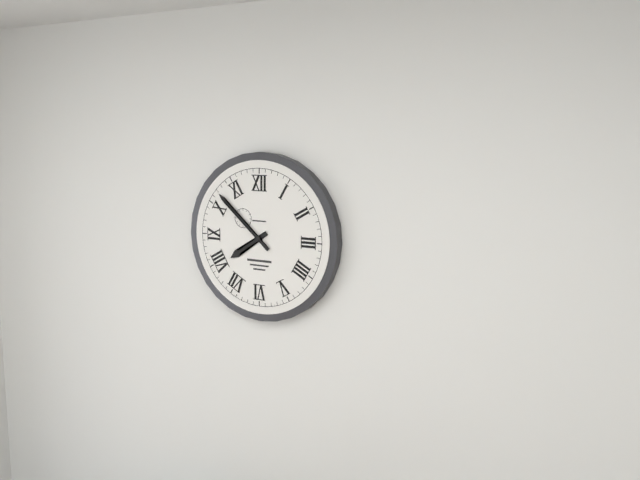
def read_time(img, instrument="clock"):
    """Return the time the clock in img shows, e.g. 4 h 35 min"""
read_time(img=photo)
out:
7 h 52 min
